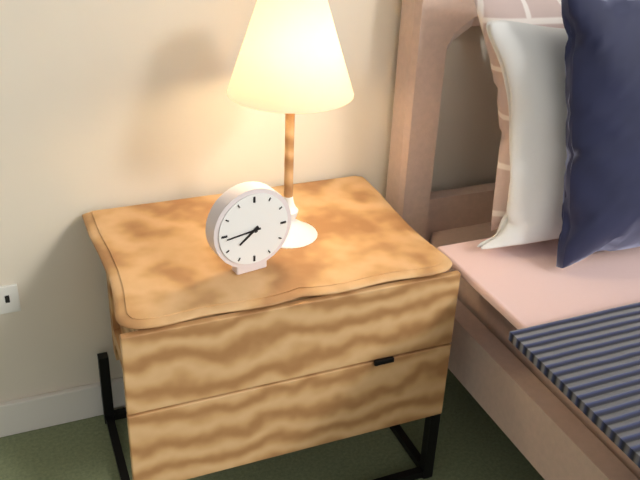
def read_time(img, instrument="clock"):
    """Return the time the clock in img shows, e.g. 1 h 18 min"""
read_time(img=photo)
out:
7 h 44 min
